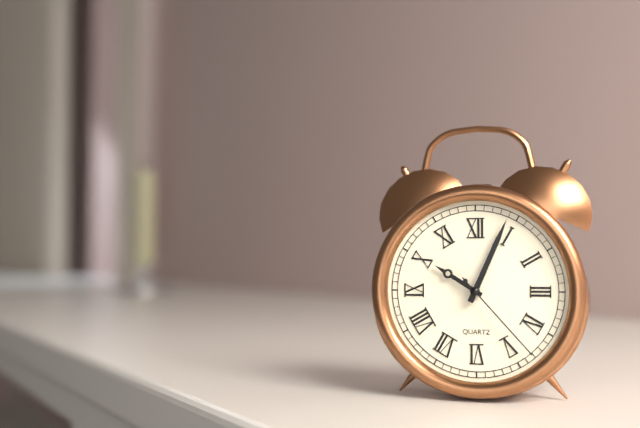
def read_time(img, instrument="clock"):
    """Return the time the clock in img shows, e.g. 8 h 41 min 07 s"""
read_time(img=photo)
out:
10 h 04 min 23 s
